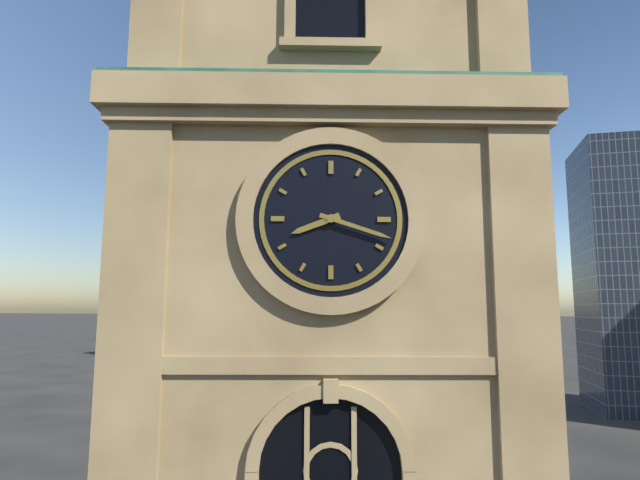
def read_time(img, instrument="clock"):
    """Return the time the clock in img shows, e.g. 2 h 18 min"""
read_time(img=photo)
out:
8 h 18 min
